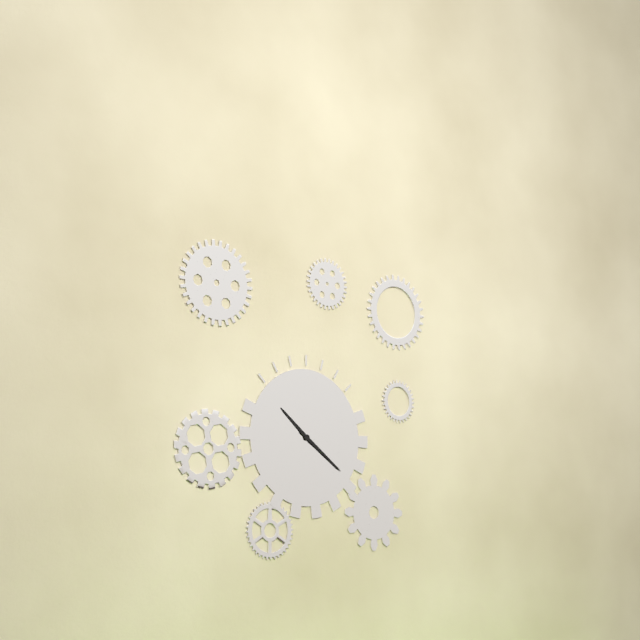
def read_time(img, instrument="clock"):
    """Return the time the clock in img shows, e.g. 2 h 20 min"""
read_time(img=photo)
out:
10 h 21 min
